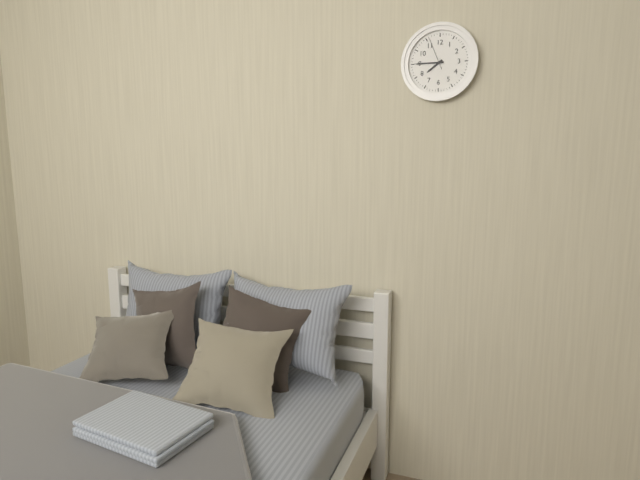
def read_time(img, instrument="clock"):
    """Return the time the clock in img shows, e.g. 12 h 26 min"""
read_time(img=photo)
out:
7 h 45 min
